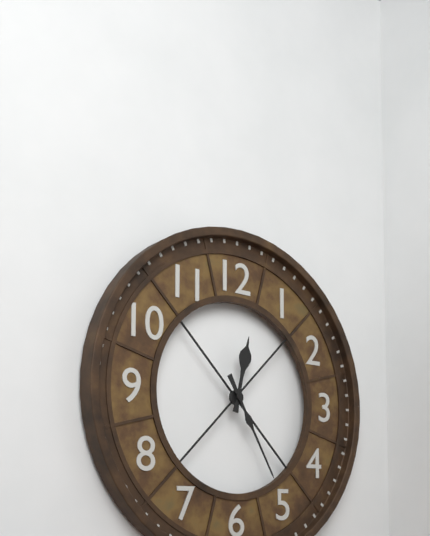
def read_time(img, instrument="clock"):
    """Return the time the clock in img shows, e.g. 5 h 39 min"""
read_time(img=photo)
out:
12 h 25 min
